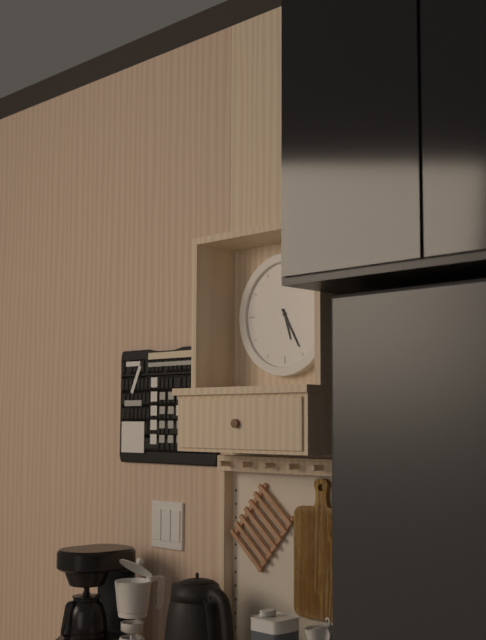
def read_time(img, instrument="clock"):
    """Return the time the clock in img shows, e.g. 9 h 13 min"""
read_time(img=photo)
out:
5 h 25 min
